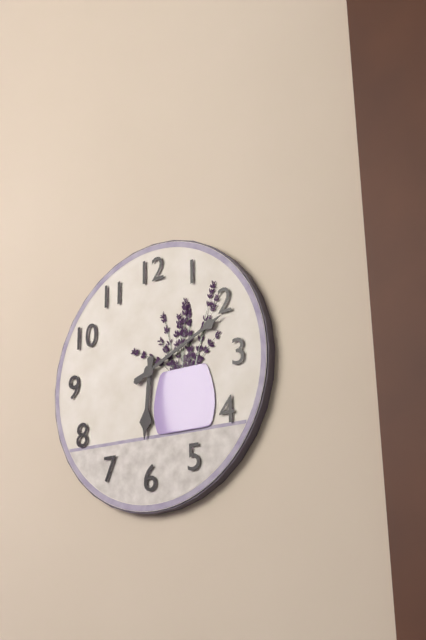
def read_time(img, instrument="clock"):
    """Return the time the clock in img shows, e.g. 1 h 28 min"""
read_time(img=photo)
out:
6 h 11 min
